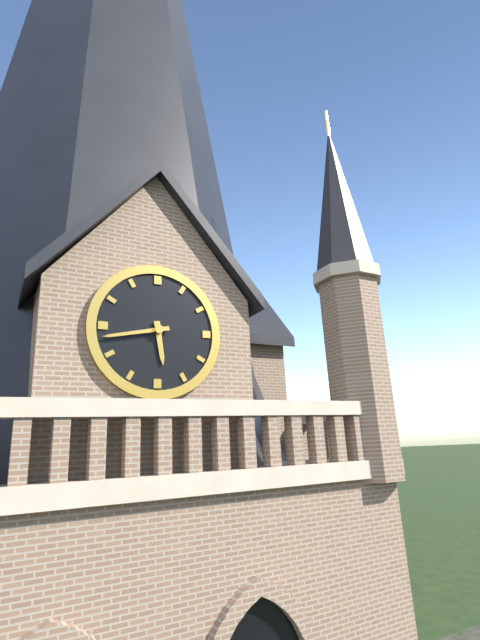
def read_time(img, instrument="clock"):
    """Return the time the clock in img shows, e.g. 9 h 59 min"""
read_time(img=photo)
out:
5 h 43 min
